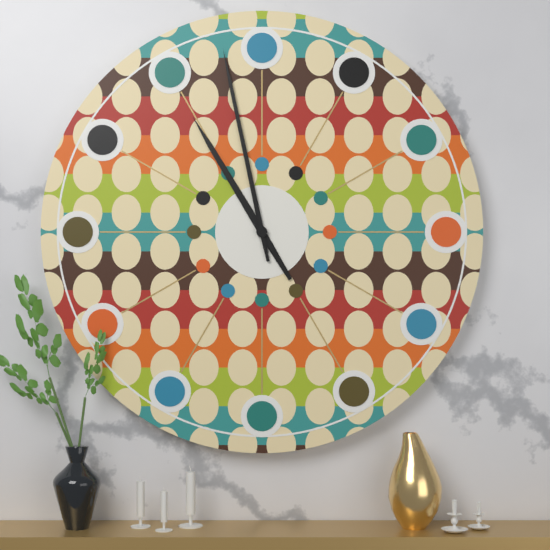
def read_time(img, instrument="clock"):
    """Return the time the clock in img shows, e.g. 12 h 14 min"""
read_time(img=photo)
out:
10 h 58 min
